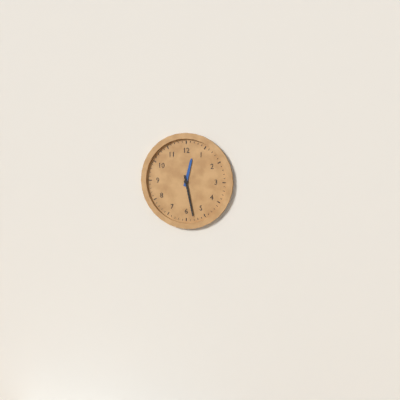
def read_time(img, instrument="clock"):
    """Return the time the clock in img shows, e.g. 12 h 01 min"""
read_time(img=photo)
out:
12 h 28 min
